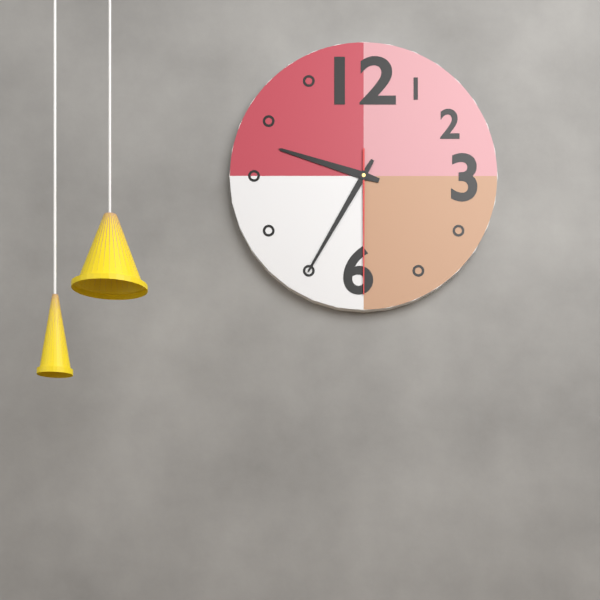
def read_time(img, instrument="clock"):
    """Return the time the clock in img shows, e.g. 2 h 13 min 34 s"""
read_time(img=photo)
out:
9 h 35 min 30 s
